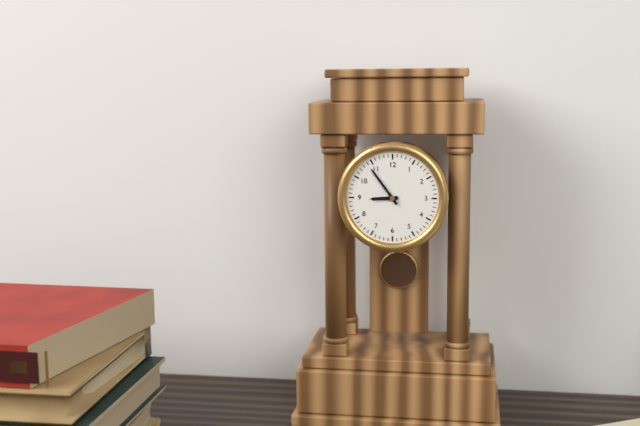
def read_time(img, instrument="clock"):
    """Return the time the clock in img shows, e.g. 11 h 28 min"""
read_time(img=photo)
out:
8 h 54 min
